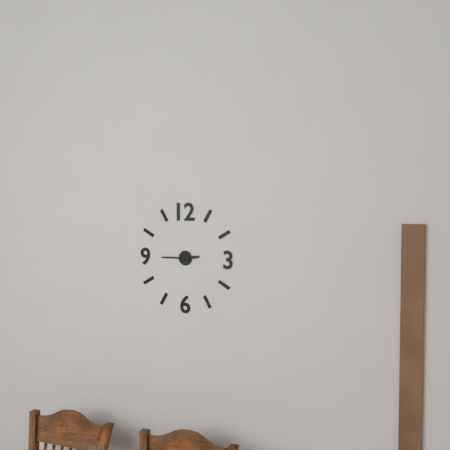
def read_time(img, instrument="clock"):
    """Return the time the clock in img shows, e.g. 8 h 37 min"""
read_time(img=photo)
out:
2 h 45 min
